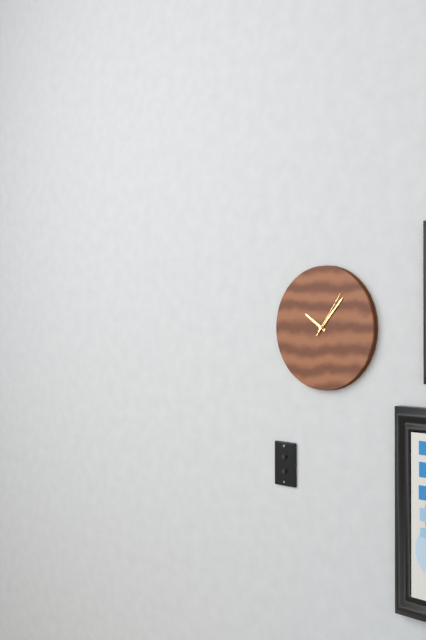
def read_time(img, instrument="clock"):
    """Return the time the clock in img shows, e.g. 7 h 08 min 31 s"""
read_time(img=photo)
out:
10 h 07 min 06 s
